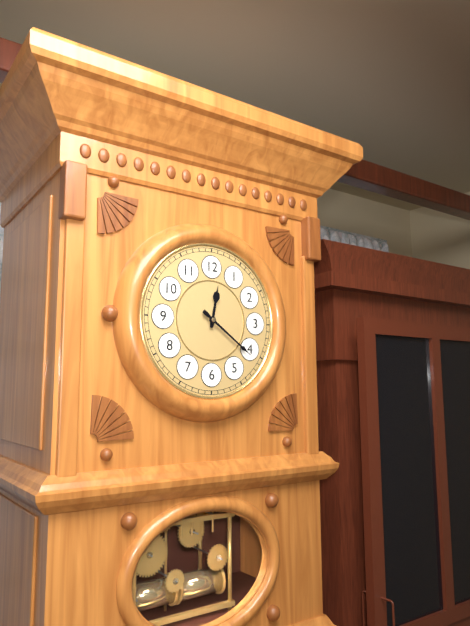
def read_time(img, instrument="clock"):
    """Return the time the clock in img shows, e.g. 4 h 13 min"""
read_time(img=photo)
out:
12 h 21 min
